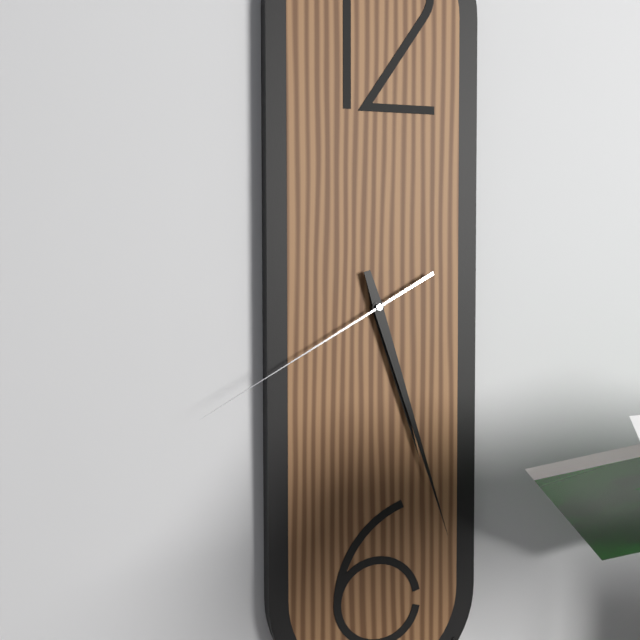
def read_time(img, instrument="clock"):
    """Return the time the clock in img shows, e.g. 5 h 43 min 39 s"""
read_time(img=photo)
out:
5 h 27 min 40 s
